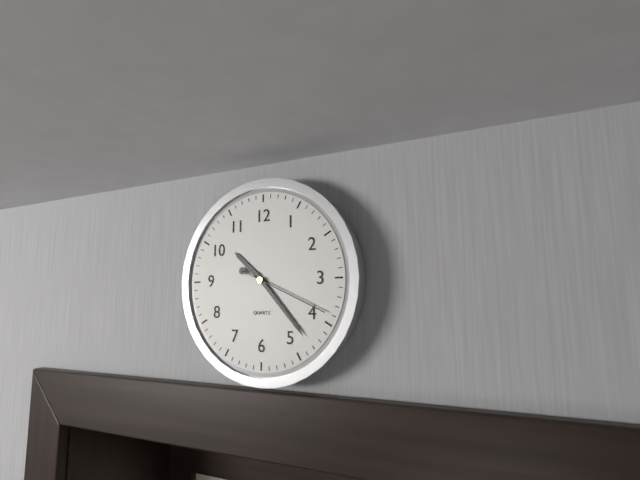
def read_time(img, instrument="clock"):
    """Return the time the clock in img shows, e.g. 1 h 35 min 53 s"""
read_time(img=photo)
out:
10 h 23 min 19 s
